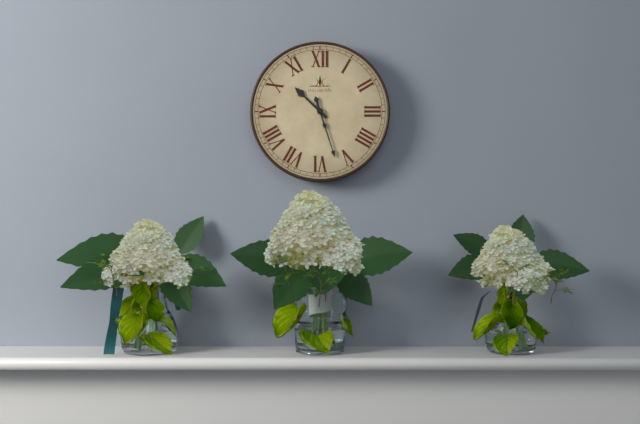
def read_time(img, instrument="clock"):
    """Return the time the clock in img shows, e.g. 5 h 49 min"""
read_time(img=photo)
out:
10 h 27 min
